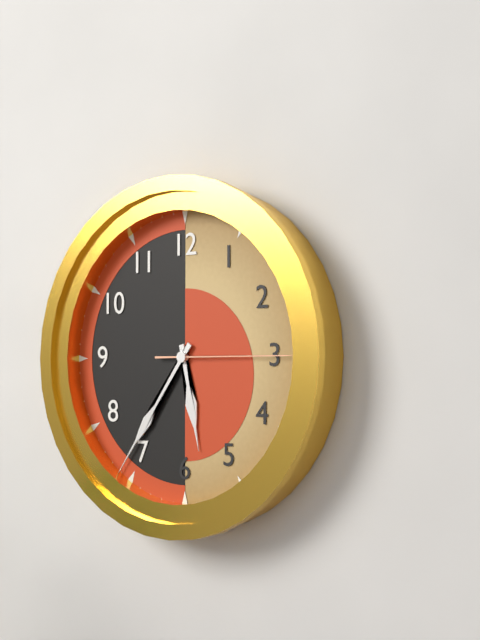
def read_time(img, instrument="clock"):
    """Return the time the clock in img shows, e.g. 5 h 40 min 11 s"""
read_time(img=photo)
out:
5 h 36 min 15 s
